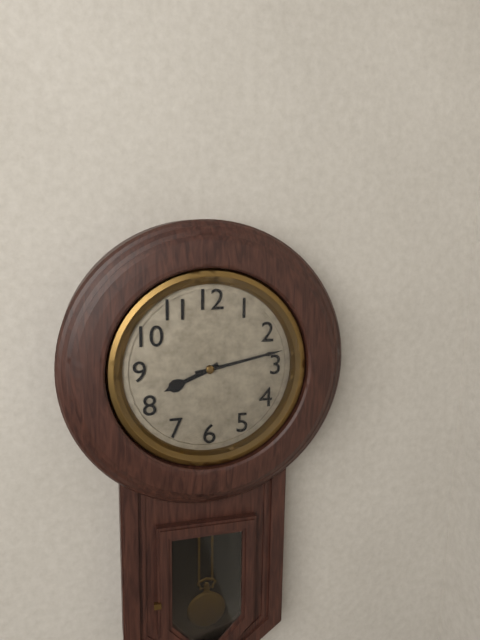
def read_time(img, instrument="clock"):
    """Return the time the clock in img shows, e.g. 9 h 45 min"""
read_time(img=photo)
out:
8 h 13 min
